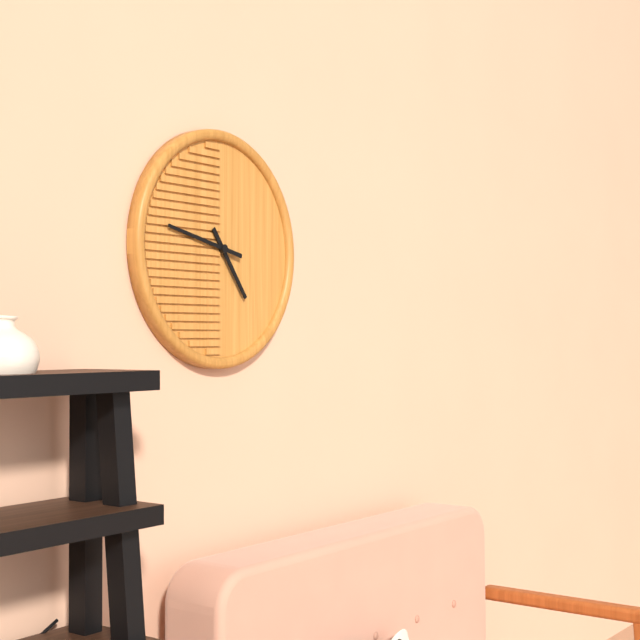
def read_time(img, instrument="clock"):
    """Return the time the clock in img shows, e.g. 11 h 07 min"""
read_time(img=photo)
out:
4 h 47 min
